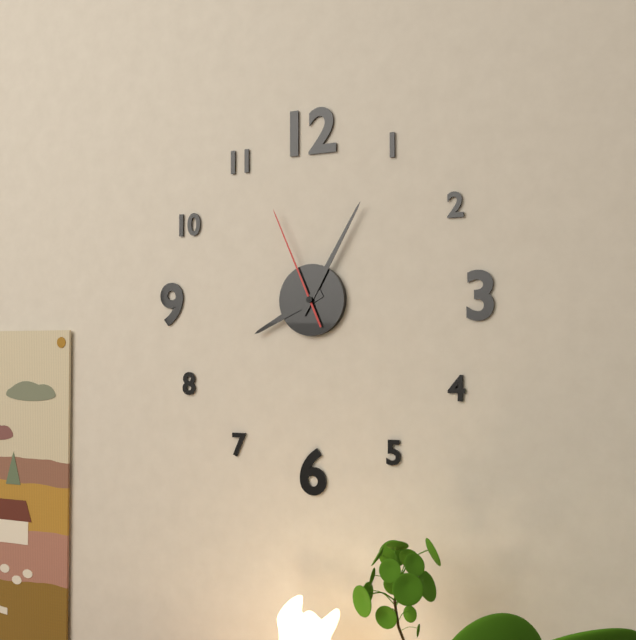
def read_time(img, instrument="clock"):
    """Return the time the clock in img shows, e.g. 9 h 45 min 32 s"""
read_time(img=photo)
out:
8 h 05 min 56 s
